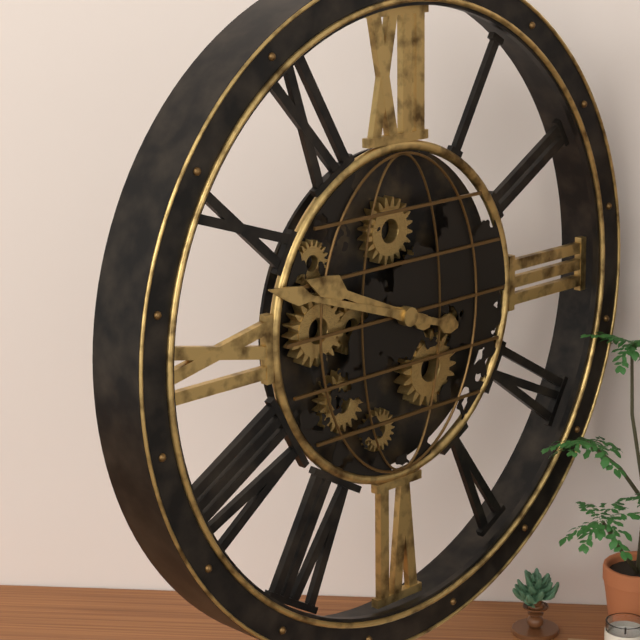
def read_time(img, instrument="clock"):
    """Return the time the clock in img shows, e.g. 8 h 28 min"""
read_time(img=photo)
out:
9 h 48 min
